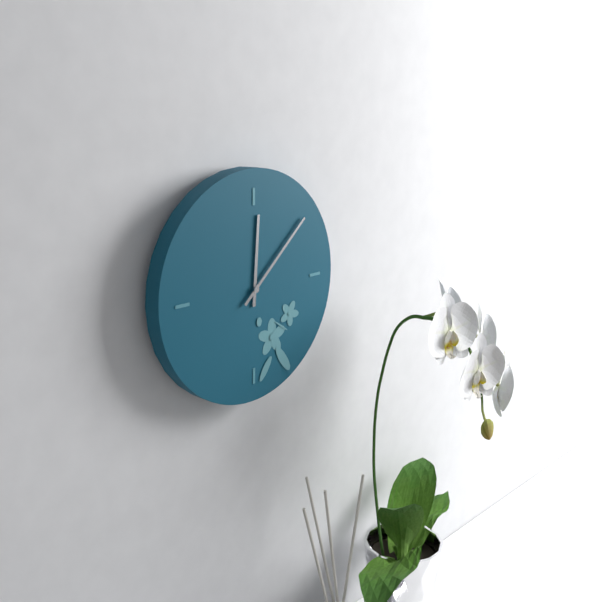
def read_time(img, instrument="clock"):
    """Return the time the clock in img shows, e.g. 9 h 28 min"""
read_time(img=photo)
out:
12 h 08 min
